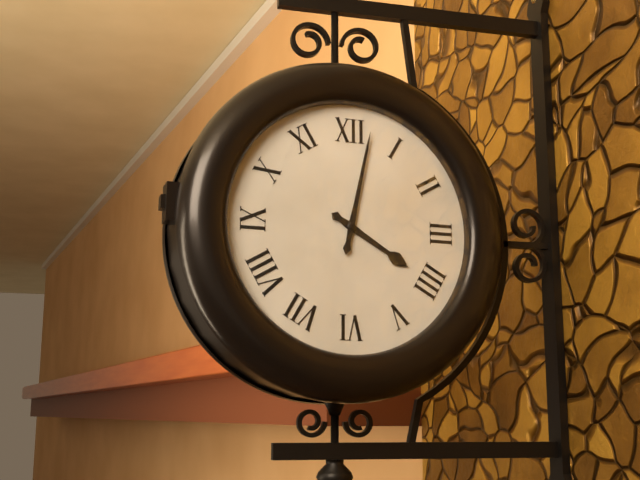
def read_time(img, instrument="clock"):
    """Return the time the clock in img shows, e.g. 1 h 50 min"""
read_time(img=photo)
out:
4 h 02 min
